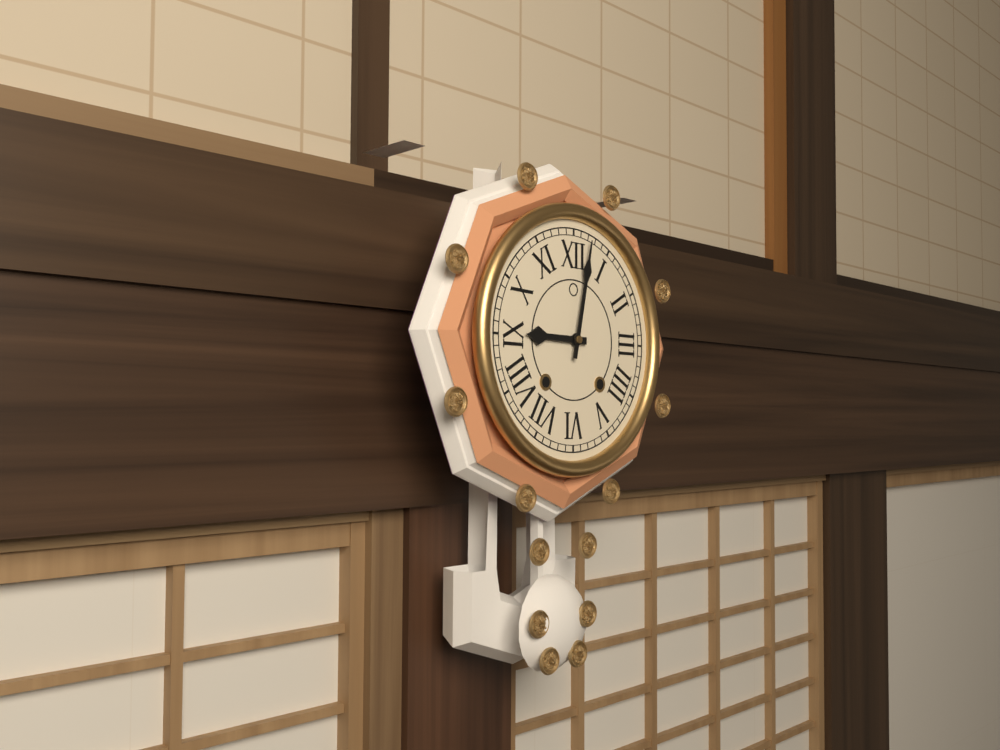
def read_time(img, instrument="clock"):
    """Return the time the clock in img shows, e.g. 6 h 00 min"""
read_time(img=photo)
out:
9 h 02 min
